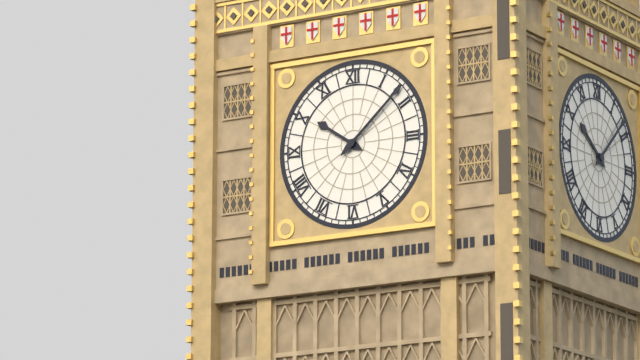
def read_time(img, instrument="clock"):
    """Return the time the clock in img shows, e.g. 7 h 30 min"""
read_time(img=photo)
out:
10 h 08 min
